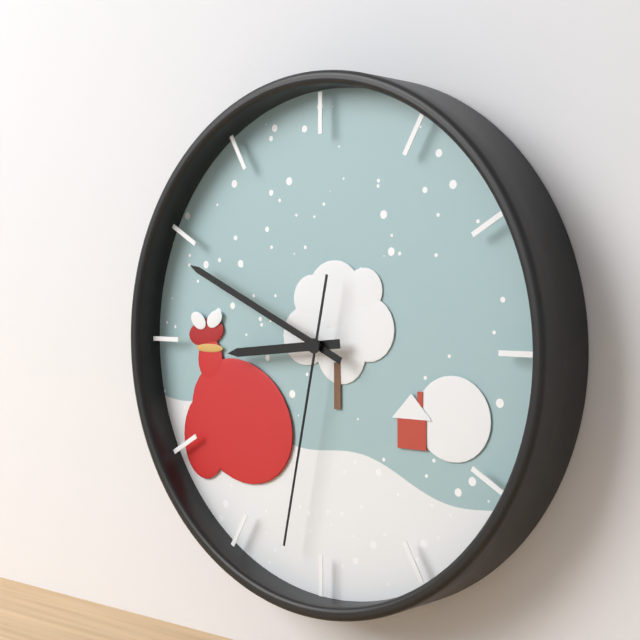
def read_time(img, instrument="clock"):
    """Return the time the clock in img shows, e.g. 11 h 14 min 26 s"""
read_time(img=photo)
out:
8 h 49 min 32 s
